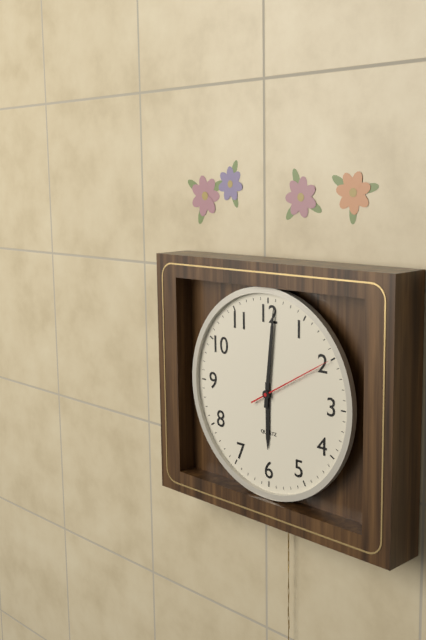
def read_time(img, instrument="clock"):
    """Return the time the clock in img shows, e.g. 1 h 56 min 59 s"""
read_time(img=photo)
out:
6 h 01 min 10 s
